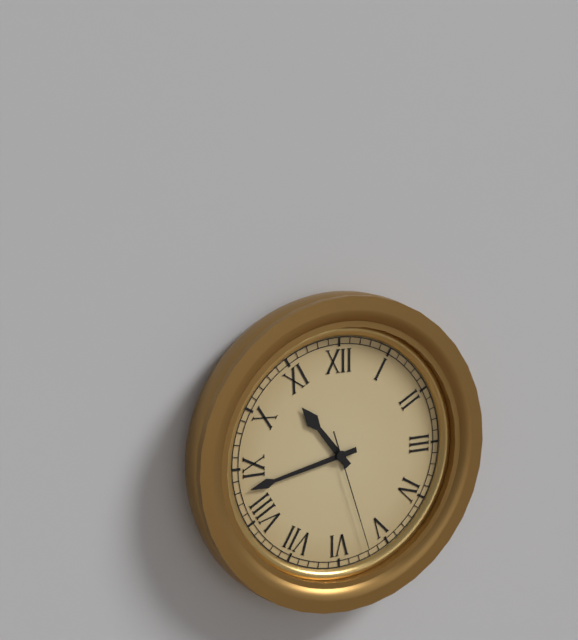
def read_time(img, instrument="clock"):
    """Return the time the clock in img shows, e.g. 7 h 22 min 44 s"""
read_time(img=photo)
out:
10 h 43 min 27 s
